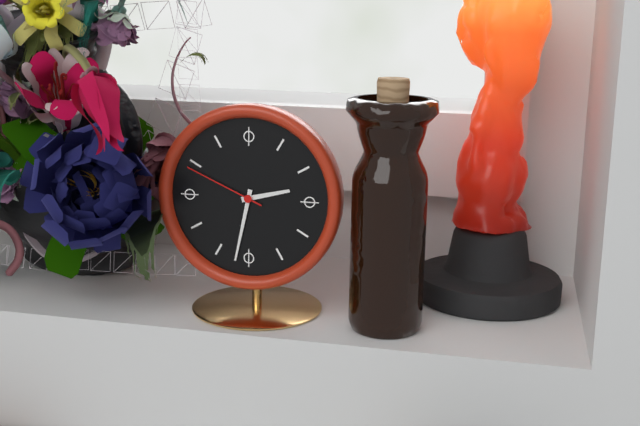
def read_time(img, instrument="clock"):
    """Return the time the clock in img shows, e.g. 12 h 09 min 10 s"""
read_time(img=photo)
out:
2 h 32 min 49 s
